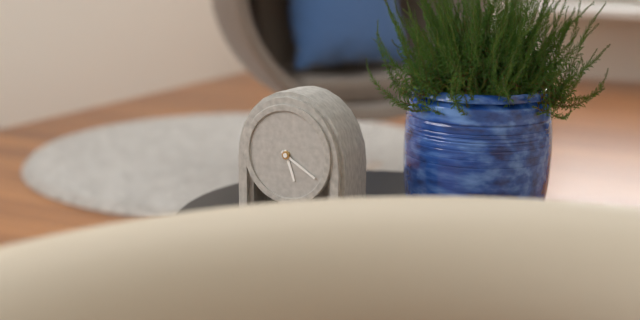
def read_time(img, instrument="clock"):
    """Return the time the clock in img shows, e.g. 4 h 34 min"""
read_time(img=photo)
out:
5 h 20 min
